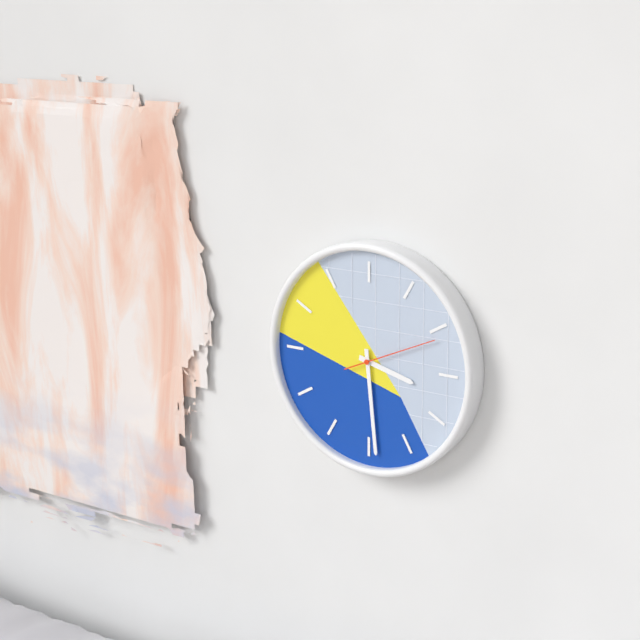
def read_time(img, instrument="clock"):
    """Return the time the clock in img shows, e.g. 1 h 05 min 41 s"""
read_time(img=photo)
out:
3 h 29 min 11 s
